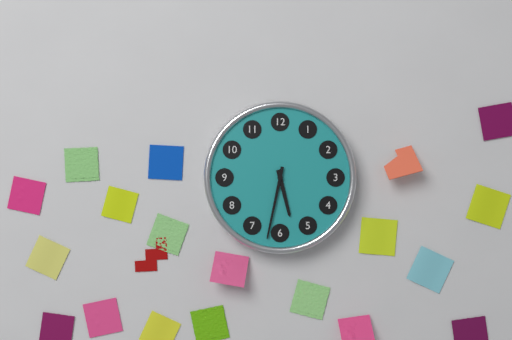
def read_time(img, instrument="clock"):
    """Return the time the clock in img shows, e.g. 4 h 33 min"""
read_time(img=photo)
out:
5 h 32 min
